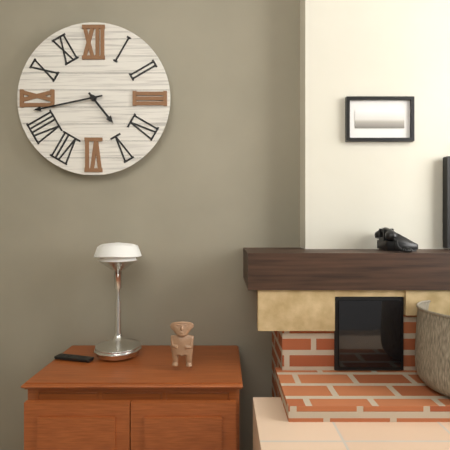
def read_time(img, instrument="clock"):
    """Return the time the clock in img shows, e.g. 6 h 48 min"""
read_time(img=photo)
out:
4 h 43 min
